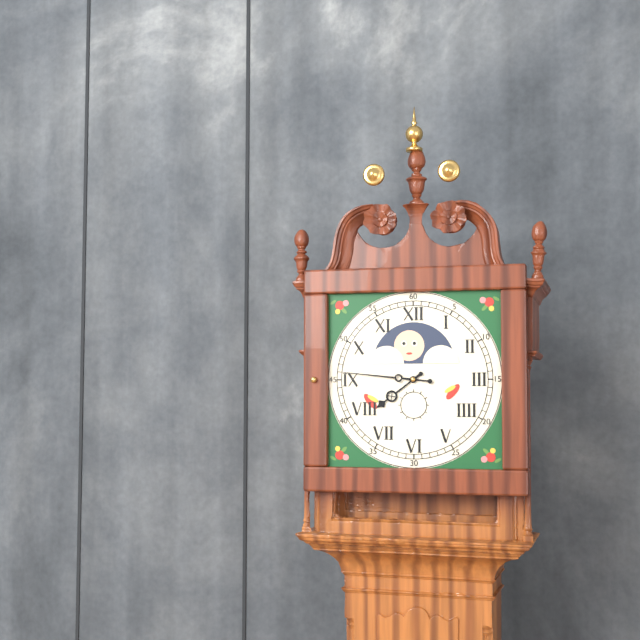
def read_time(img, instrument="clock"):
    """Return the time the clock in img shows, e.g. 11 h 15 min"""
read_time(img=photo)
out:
7 h 46 min
